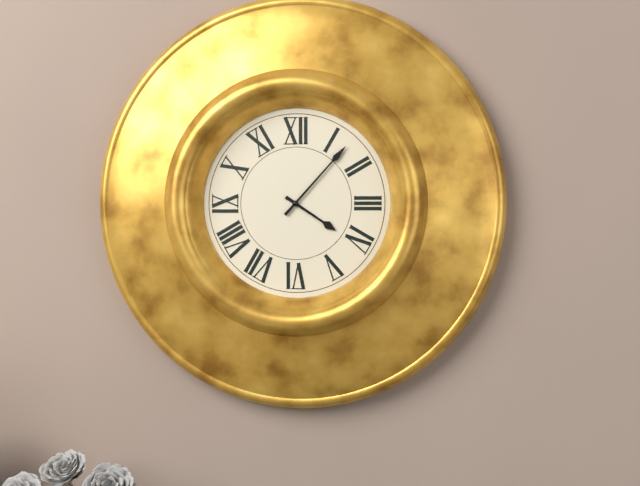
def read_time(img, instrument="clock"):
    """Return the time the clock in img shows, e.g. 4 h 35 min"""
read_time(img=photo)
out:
4 h 07 min
